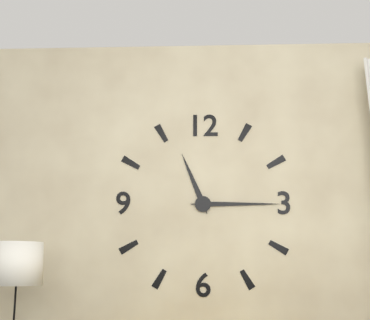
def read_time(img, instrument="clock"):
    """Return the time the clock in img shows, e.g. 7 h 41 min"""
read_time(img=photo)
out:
11 h 15 min
